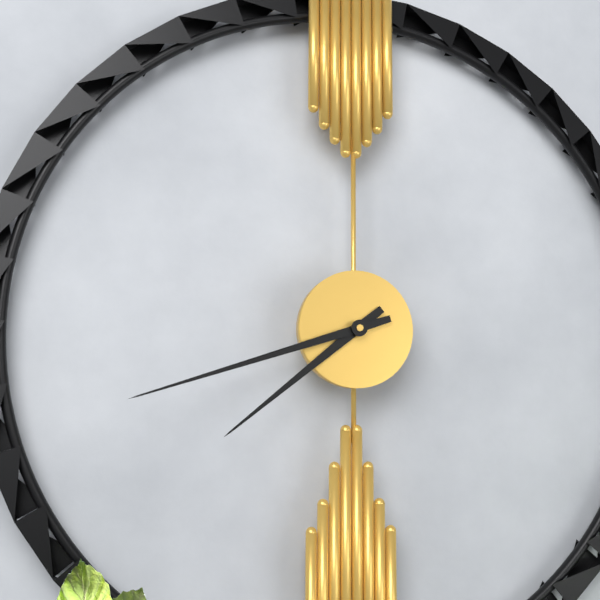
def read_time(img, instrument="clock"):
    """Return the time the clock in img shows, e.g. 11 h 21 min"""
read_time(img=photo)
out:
7 h 42 min
